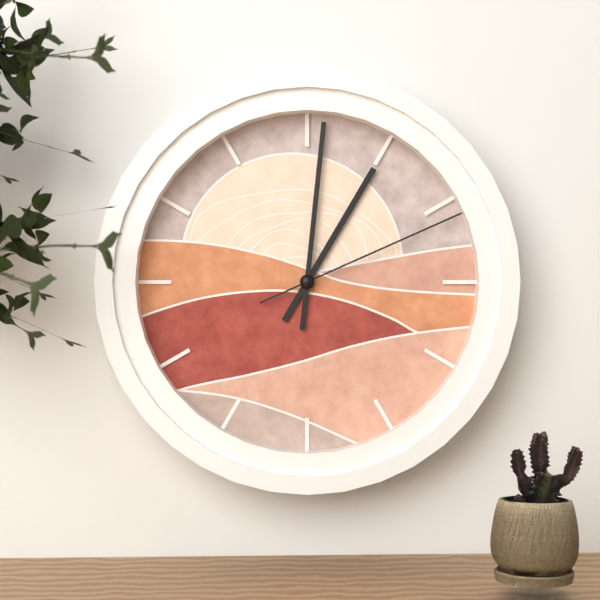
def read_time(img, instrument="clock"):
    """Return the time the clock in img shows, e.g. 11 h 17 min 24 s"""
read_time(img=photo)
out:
1 h 01 min 11 s
